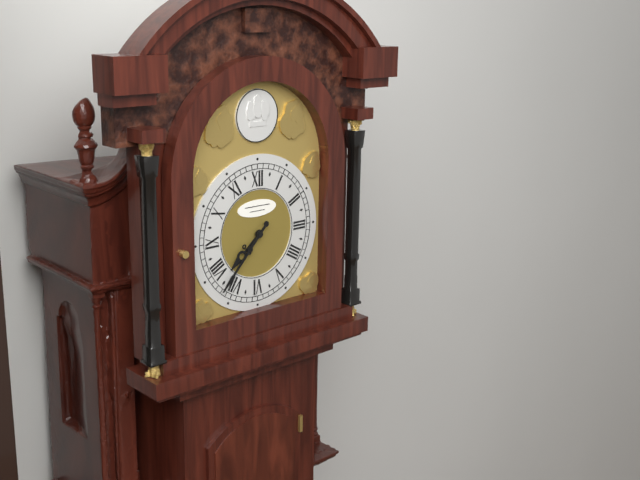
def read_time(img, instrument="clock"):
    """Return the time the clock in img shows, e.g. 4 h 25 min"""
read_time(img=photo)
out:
7 h 37 min
